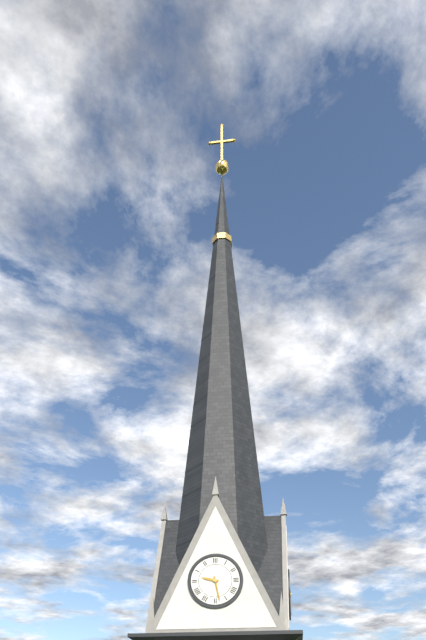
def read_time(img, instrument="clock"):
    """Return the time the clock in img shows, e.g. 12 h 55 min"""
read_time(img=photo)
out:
9 h 28 min
